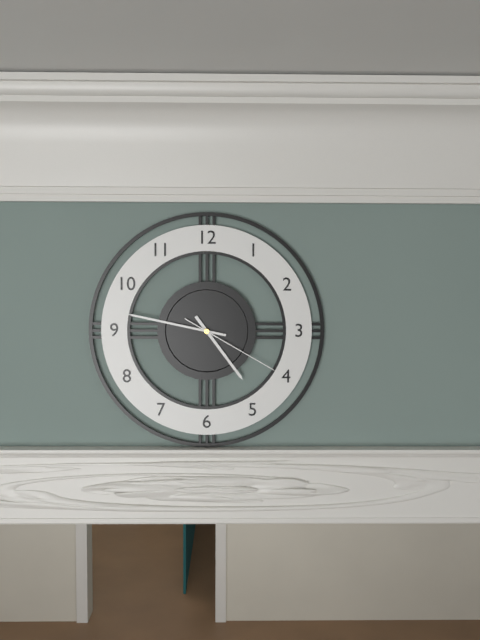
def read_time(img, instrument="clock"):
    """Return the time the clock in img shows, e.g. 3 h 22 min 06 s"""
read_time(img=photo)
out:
4 h 47 min 20 s
